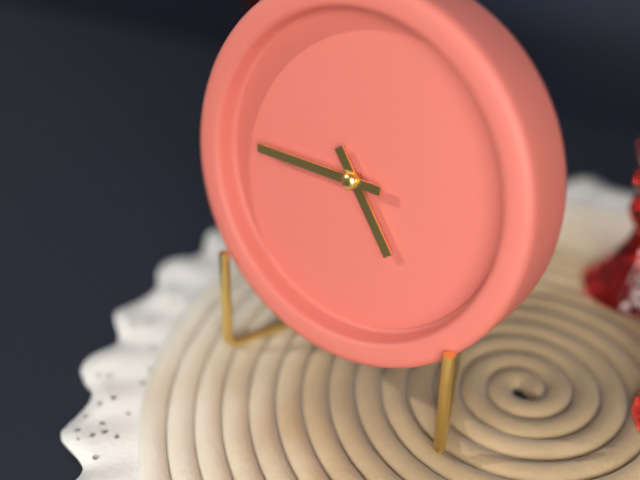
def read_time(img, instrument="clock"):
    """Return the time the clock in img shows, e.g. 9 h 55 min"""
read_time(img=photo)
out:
4 h 45 min
